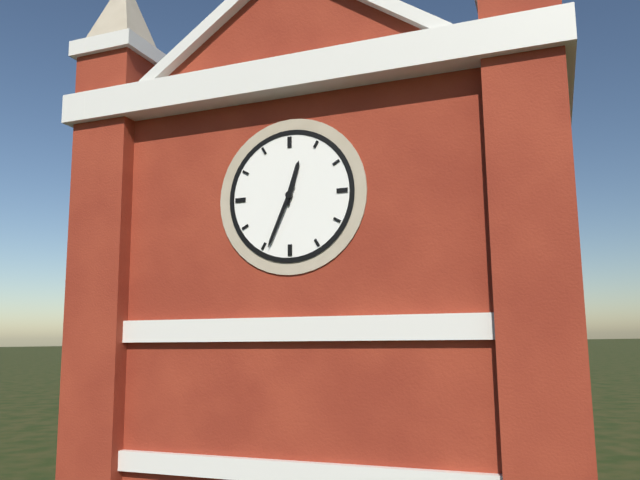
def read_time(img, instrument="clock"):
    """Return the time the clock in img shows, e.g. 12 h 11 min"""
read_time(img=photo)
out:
12 h 34 min
